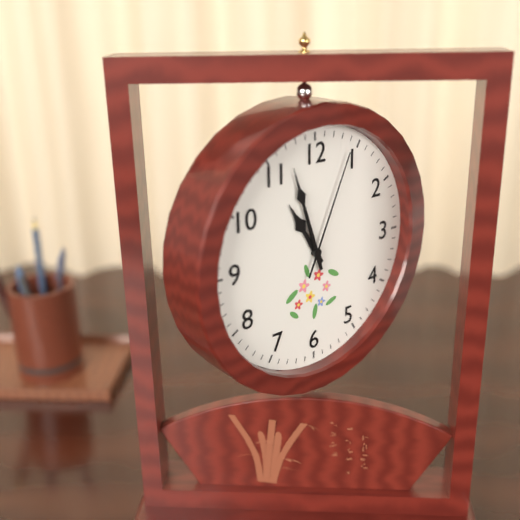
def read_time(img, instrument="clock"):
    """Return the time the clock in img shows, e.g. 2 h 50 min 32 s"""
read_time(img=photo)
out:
10 h 57 min 04 s
